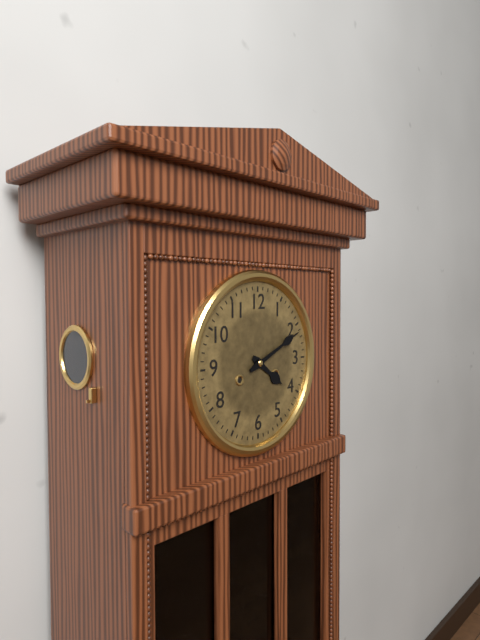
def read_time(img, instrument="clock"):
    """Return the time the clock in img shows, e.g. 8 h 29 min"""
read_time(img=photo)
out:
4 h 11 min
